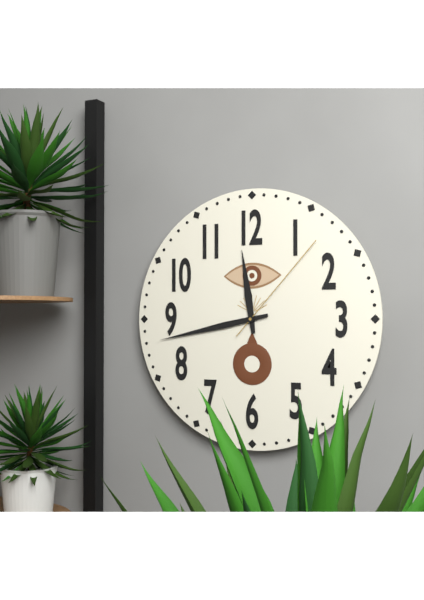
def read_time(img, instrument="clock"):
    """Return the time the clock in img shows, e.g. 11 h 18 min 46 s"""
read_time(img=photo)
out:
11 h 43 min 07 s
